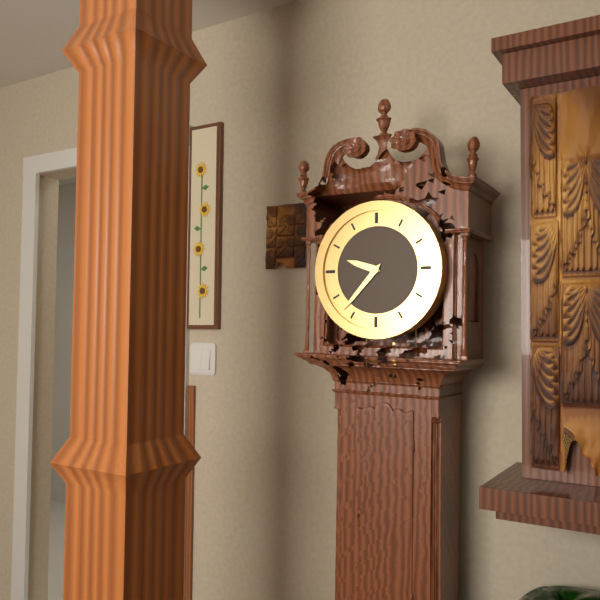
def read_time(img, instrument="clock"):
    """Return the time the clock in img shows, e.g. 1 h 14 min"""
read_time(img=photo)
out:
9 h 37 min
